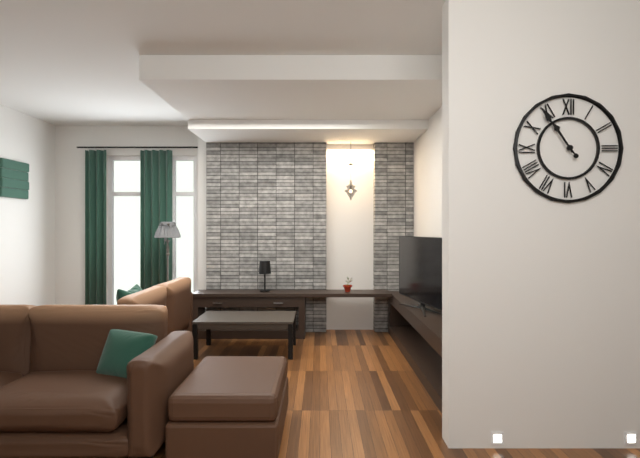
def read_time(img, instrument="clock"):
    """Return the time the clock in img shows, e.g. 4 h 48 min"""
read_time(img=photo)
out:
10 h 54 min
